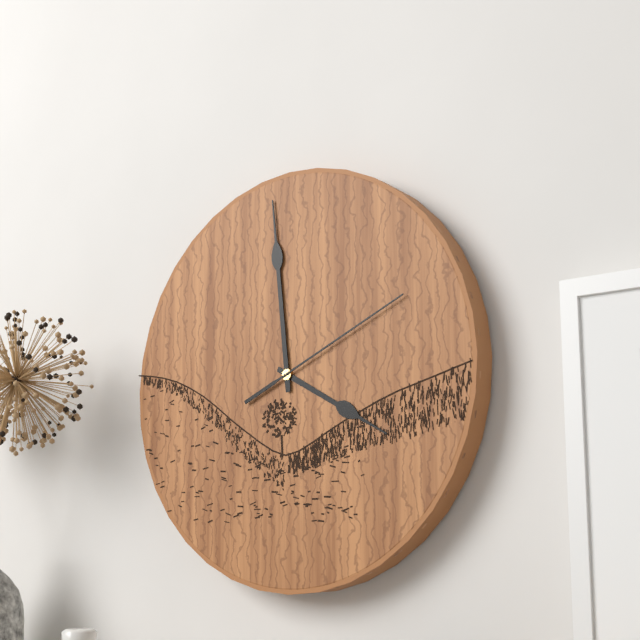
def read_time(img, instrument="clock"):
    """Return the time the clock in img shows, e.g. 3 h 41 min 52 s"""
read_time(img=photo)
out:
3 h 59 min 11 s
